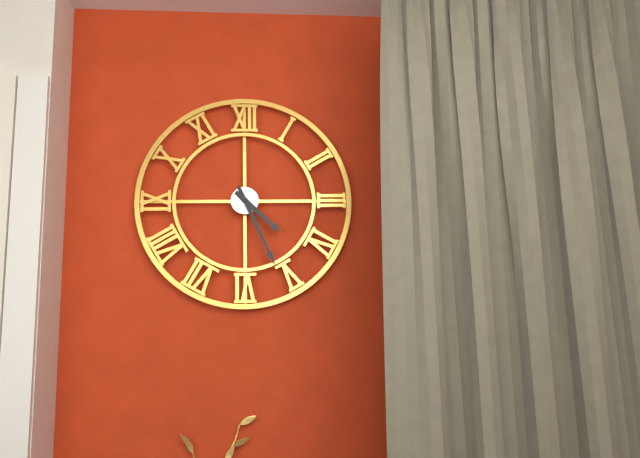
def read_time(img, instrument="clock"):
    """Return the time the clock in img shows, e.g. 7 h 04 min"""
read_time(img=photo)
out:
4 h 26 min
